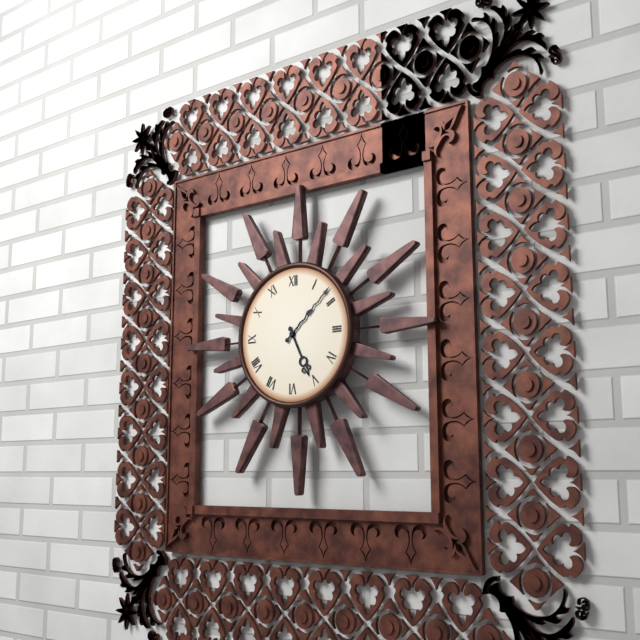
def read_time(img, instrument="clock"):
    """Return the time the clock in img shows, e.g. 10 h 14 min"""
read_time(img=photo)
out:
5 h 08 min
